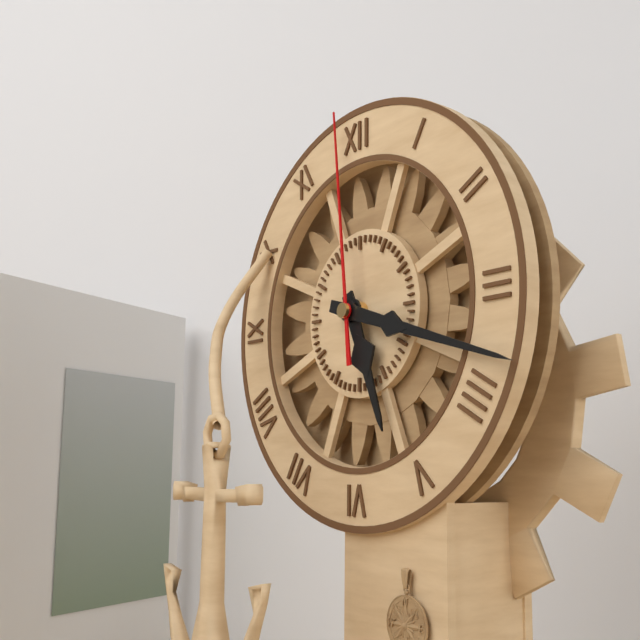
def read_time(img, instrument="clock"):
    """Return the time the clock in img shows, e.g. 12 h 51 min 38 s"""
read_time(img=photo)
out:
5 h 18 min 59 s
